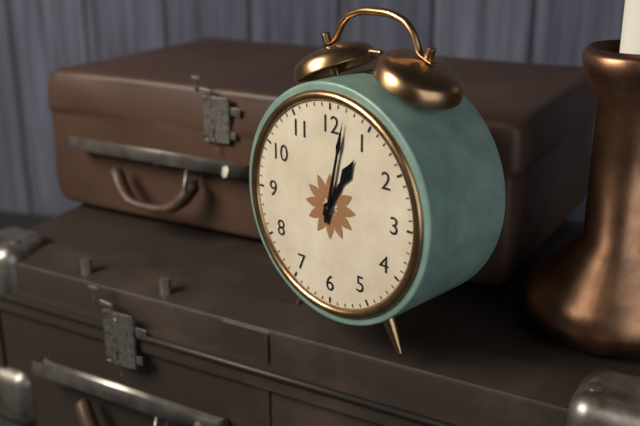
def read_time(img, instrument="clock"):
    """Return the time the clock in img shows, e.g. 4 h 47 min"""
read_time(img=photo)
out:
1 h 02 min
